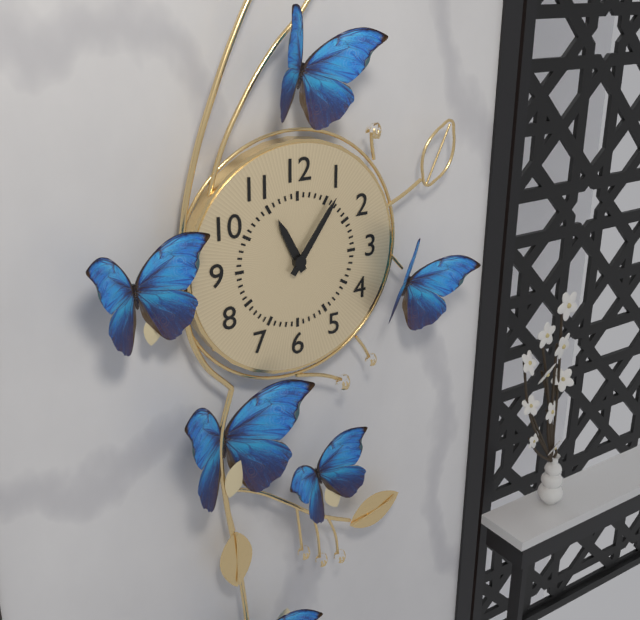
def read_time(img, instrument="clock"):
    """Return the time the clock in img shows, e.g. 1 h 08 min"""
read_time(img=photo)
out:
11 h 06 min
